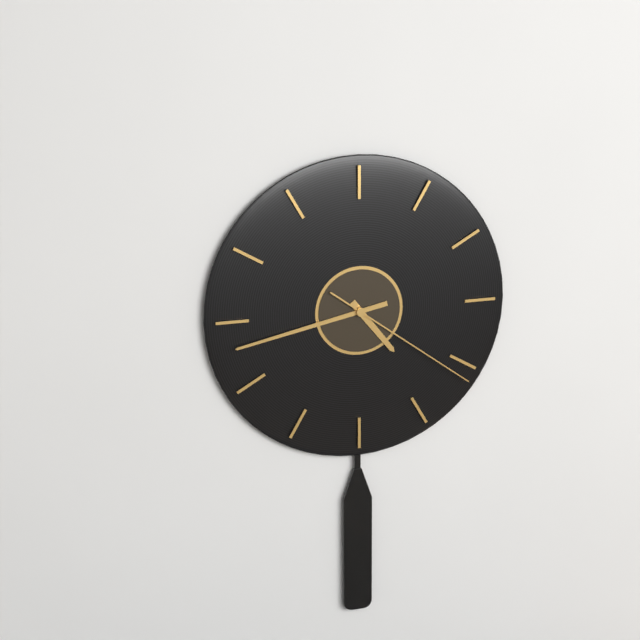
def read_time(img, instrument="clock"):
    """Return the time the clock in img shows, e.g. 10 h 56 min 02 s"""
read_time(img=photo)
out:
4 h 43 min 21 s
